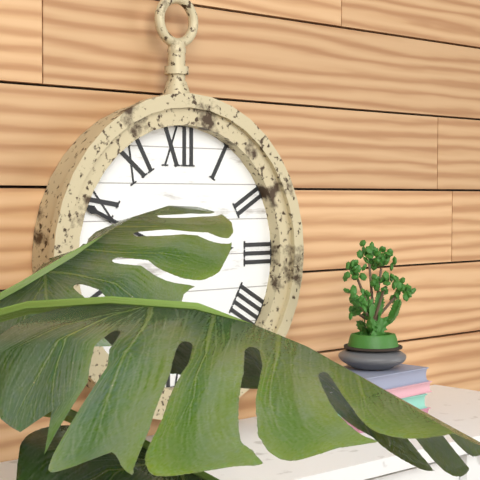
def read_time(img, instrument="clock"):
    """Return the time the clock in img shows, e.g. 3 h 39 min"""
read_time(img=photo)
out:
2 h 49 min
